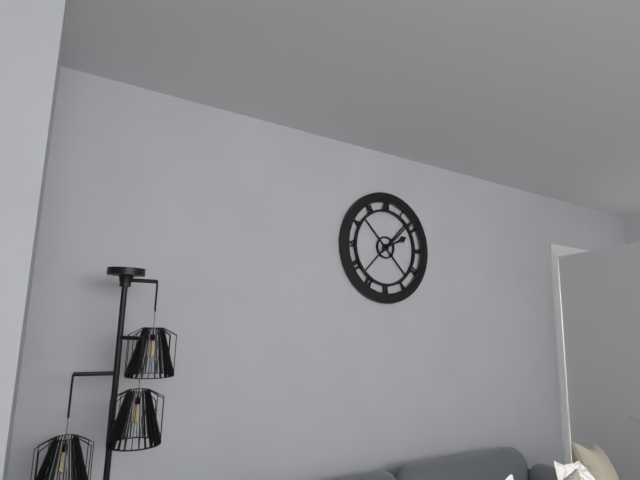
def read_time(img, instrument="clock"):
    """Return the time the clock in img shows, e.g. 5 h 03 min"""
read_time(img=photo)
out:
2 h 08 min
